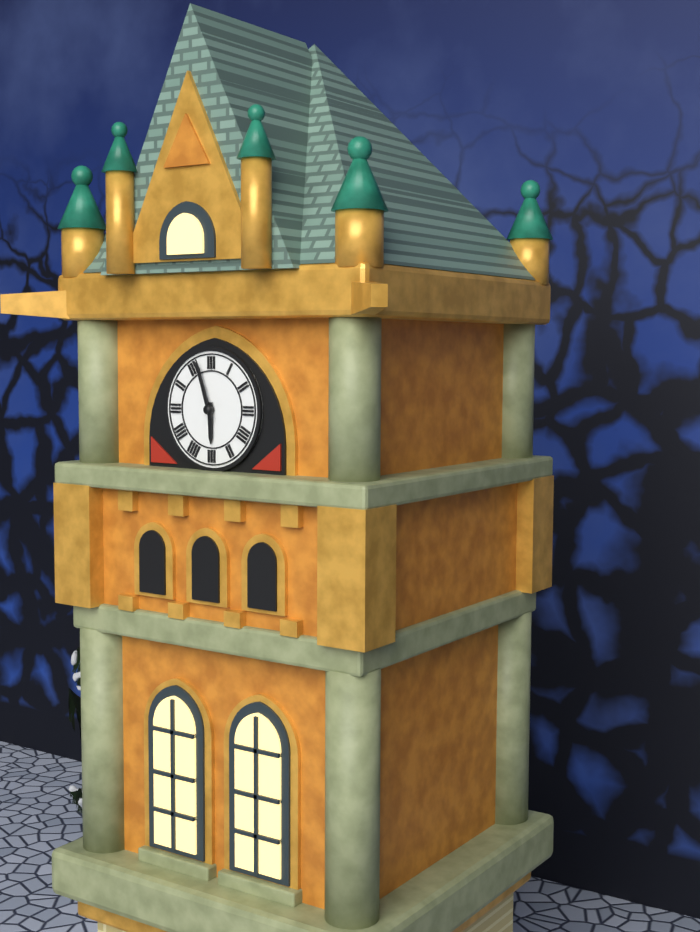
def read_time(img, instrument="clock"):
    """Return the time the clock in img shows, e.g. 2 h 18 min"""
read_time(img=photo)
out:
5 h 57 min
